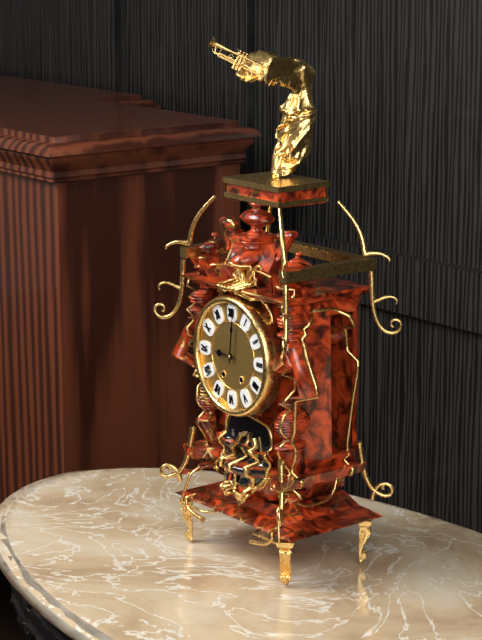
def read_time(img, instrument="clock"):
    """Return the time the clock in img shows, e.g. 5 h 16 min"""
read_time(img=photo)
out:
9 h 01 min
